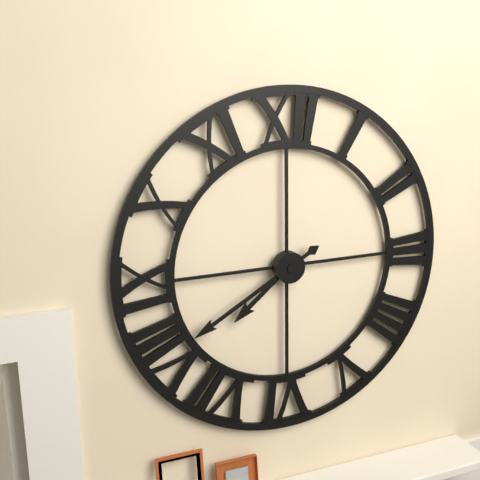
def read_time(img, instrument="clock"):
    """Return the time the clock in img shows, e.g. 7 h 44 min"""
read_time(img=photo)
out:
7 h 40 min
